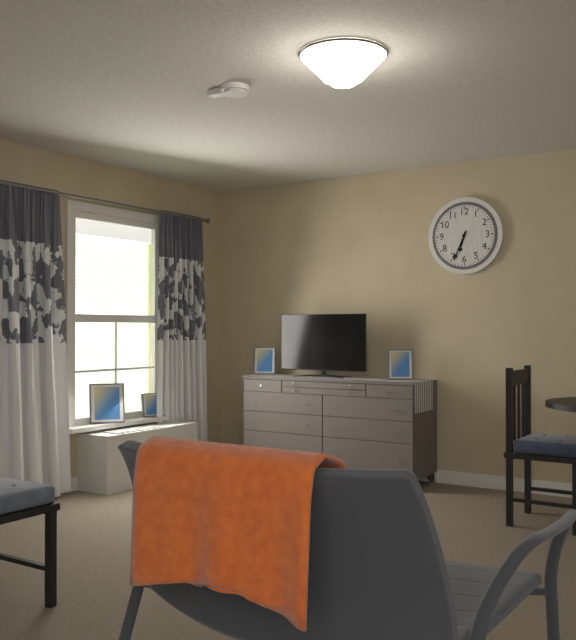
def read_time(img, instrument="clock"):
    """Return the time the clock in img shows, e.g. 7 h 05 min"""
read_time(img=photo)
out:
6 h 34 min
